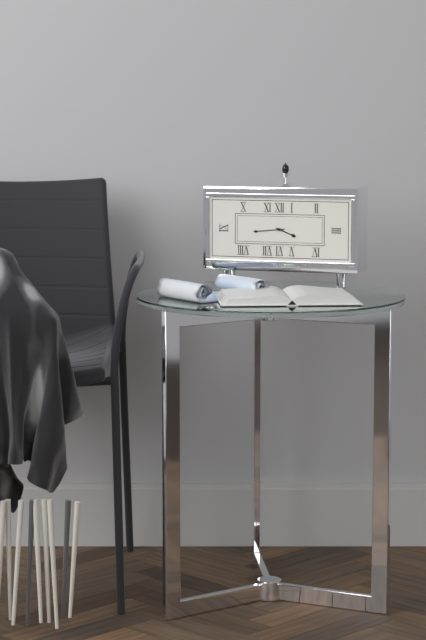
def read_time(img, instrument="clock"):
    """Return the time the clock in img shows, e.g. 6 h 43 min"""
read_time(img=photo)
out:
3 h 44 min
